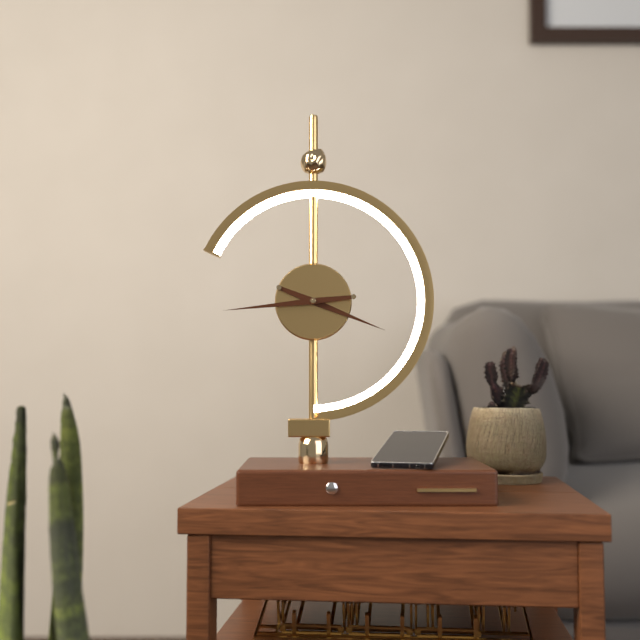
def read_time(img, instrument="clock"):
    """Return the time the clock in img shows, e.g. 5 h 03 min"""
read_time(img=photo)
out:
3 h 44 min
